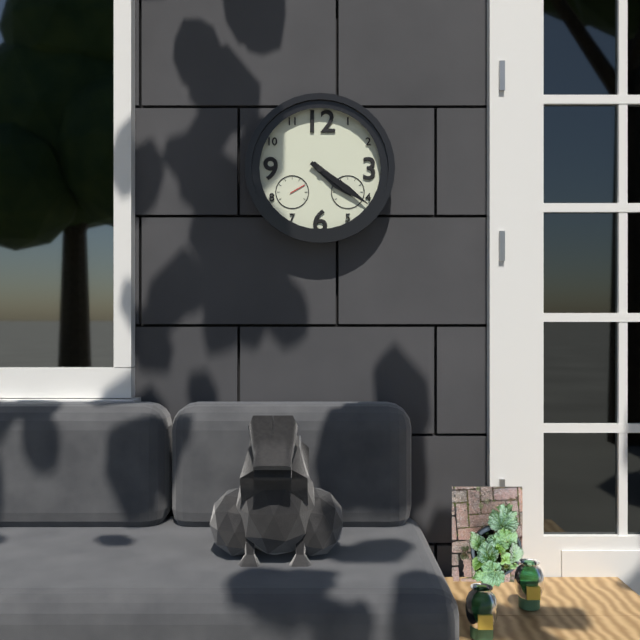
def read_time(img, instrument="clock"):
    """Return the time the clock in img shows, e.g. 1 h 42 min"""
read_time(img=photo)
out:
4 h 21 min
